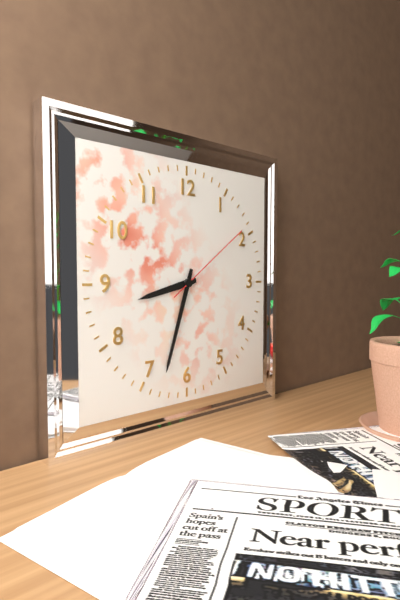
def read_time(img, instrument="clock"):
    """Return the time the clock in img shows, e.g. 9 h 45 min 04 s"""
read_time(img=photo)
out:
8 h 33 min 09 s
